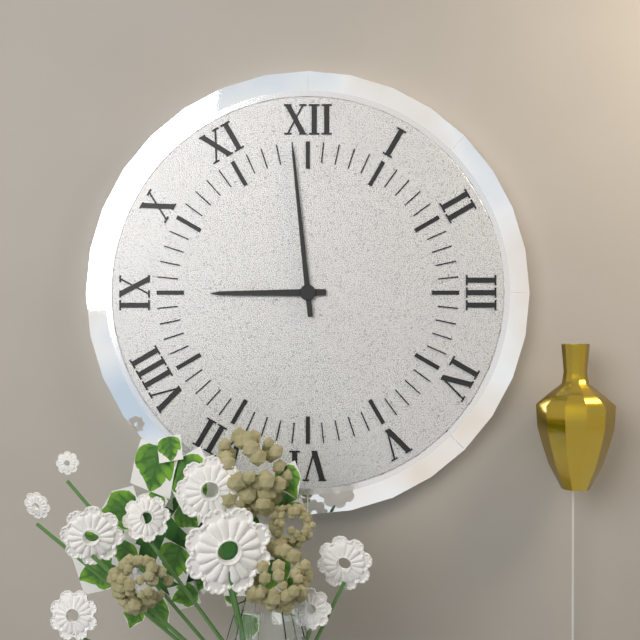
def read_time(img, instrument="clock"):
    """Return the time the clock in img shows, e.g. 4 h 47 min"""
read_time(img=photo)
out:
8 h 59 min
